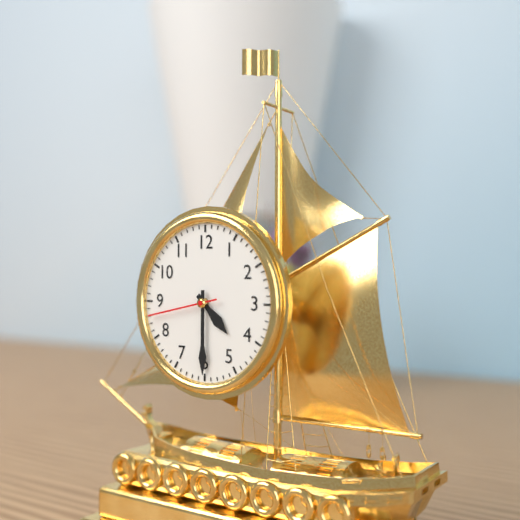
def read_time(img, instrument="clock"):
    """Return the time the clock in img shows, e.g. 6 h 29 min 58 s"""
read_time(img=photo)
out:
4 h 30 min 43 s
